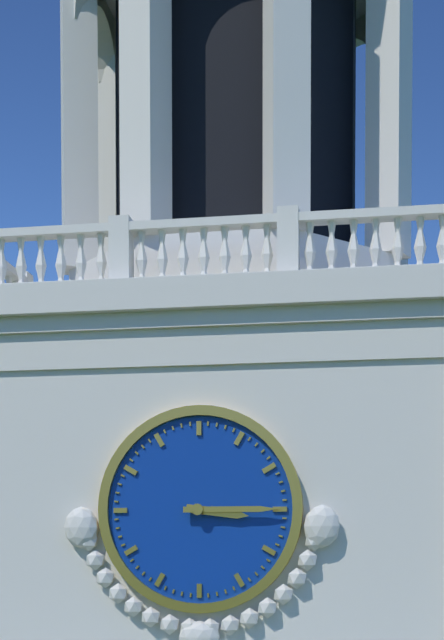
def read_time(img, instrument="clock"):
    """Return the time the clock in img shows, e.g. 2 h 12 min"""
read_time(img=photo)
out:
3 h 15 min
